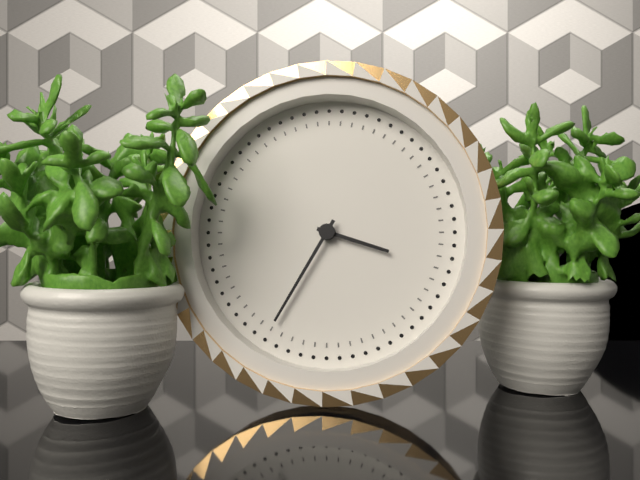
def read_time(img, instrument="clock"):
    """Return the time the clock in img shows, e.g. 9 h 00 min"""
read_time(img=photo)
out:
3 h 35 min
